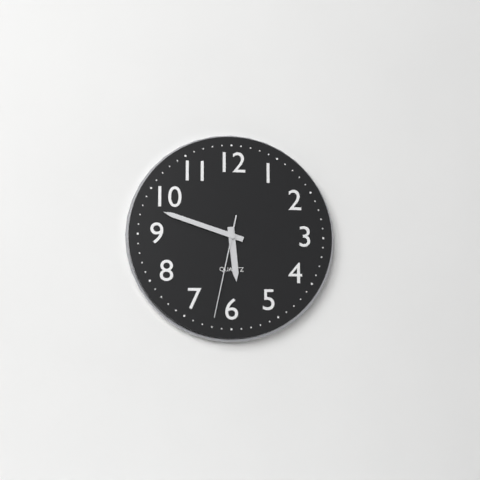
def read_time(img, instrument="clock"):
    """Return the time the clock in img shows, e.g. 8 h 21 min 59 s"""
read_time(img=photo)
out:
5 h 48 min 32 s
